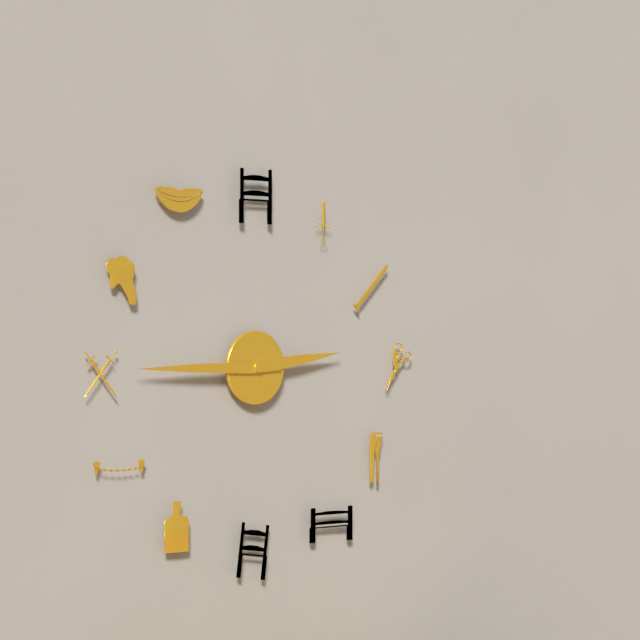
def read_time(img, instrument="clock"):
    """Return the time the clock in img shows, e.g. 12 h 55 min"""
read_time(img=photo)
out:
2 h 45 min
